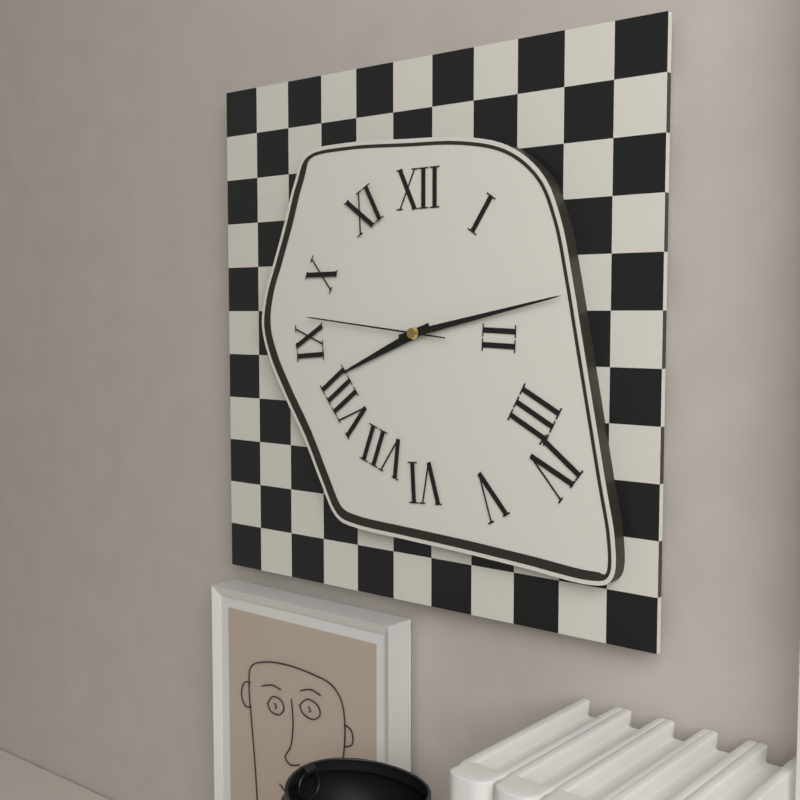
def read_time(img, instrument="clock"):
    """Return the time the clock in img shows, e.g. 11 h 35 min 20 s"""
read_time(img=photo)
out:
8 h 13 min 46 s
